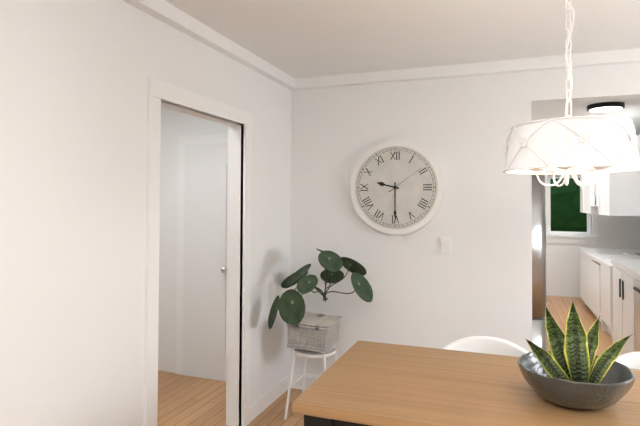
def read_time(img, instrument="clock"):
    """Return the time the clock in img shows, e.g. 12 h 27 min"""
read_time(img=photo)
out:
9 h 30 min
